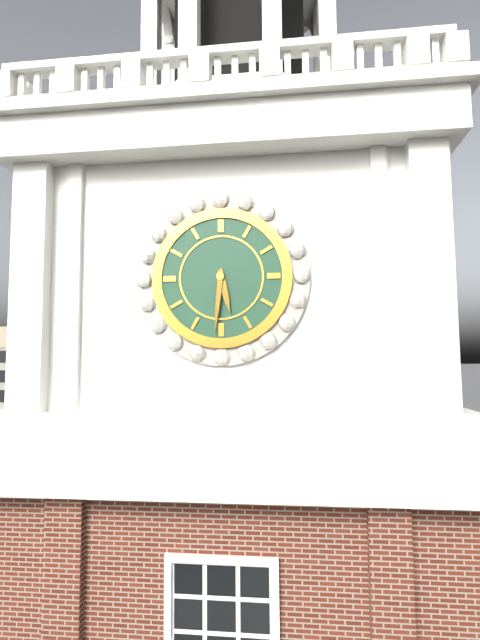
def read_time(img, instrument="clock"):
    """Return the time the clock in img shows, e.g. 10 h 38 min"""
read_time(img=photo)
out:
5 h 31 min
